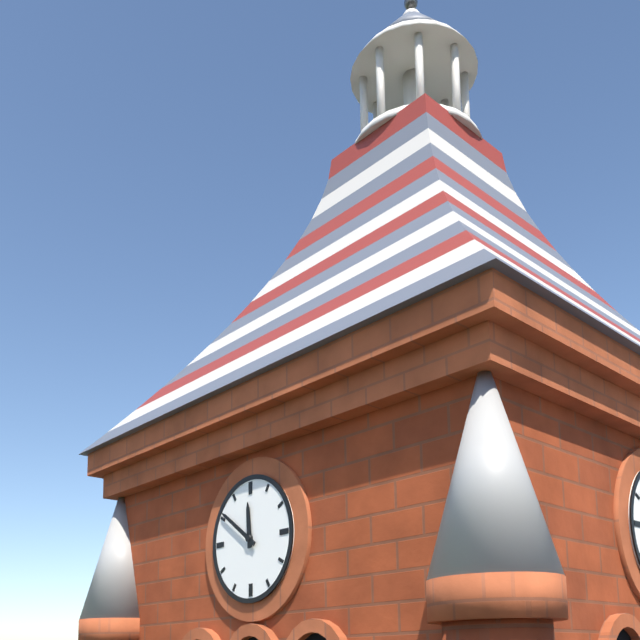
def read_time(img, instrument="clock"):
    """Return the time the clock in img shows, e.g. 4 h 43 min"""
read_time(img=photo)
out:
11 h 51 min
